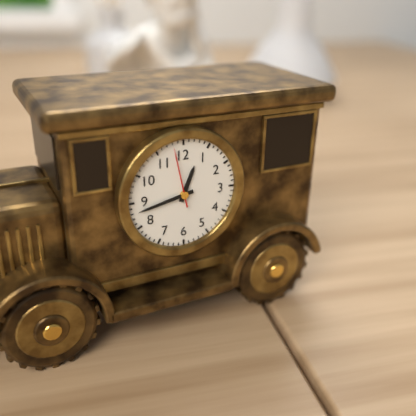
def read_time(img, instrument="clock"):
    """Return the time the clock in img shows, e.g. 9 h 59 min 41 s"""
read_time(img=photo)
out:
12 h 43 min 58 s
